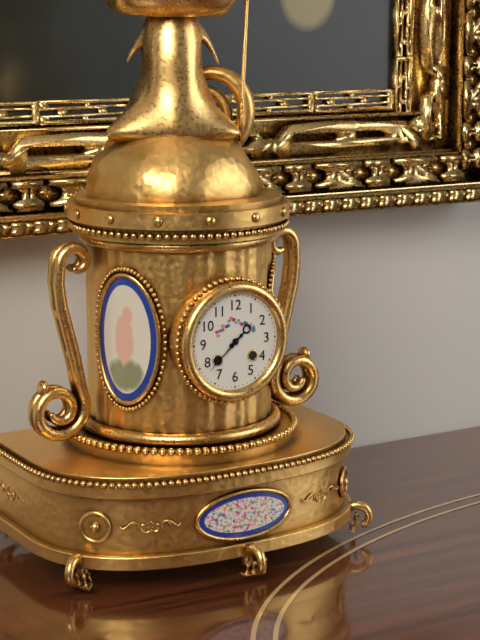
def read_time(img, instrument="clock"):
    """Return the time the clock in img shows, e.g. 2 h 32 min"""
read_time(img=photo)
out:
1 h 38 min
